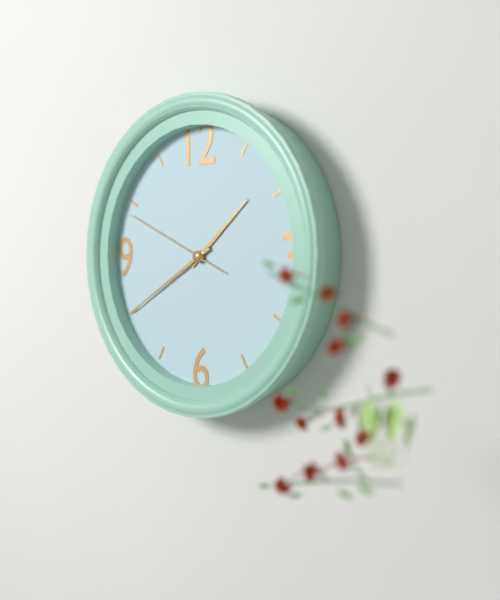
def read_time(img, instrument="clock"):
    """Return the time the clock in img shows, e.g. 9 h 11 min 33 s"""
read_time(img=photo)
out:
1 h 40 min 49 s
